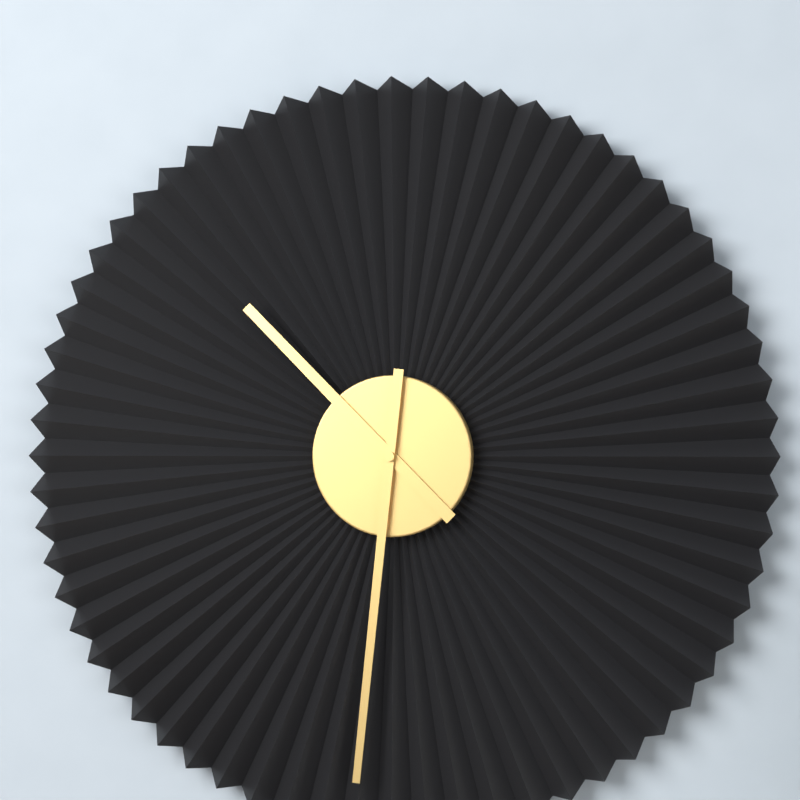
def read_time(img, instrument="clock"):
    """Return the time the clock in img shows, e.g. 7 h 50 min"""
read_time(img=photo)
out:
10 h 31 min
